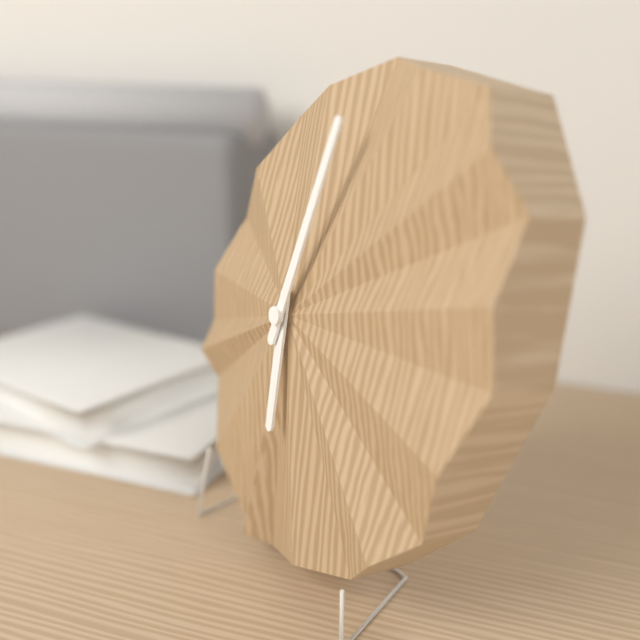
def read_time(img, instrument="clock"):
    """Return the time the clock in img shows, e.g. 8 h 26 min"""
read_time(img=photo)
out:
6 h 03 min
